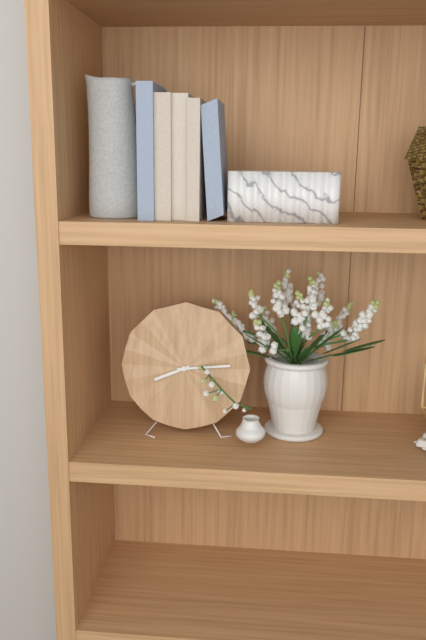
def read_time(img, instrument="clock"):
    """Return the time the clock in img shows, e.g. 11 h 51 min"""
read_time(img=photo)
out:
8 h 14 min
